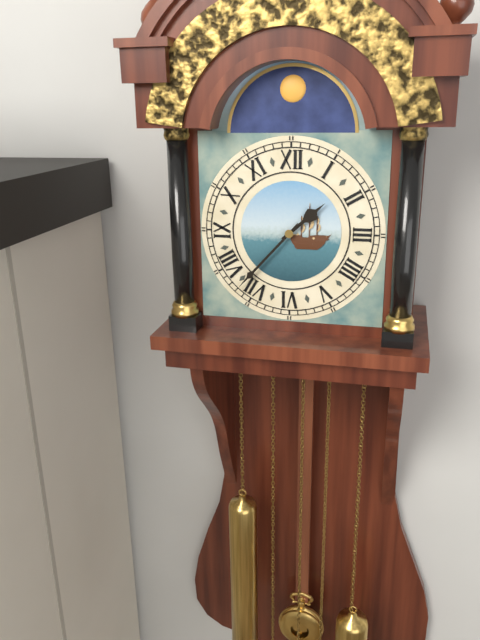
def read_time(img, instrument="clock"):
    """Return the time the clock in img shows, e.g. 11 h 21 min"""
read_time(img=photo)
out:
1 h 37 min
